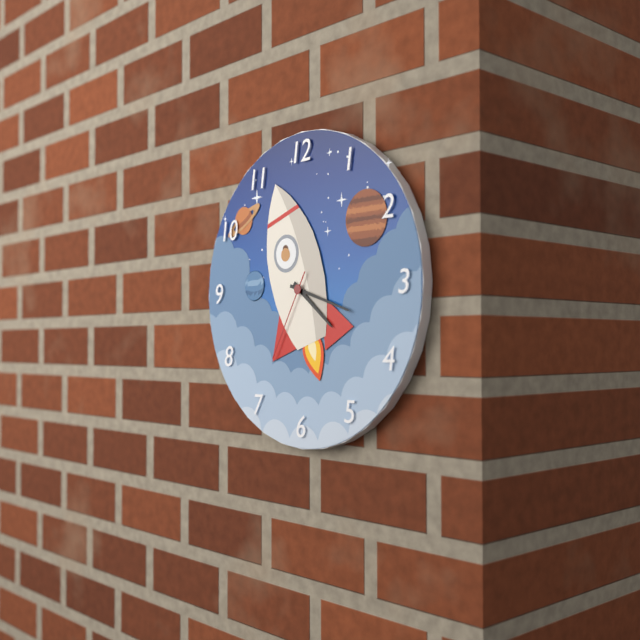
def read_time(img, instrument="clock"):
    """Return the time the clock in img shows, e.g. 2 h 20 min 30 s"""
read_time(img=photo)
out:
4 h 18 min 35 s
